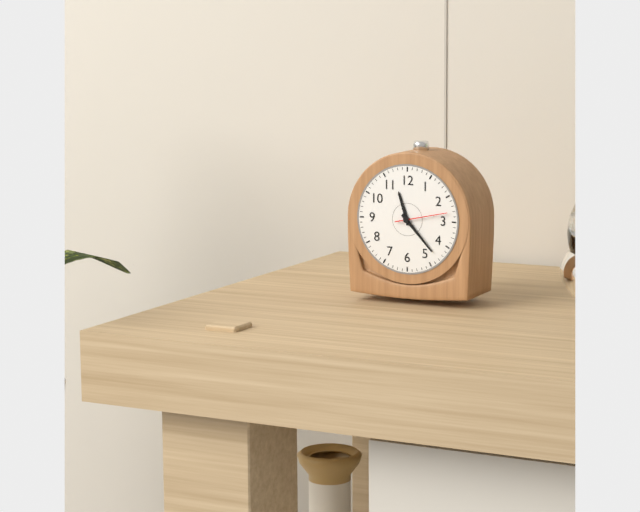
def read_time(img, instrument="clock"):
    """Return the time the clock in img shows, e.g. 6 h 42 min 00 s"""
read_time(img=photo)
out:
11 h 23 min 13 s
